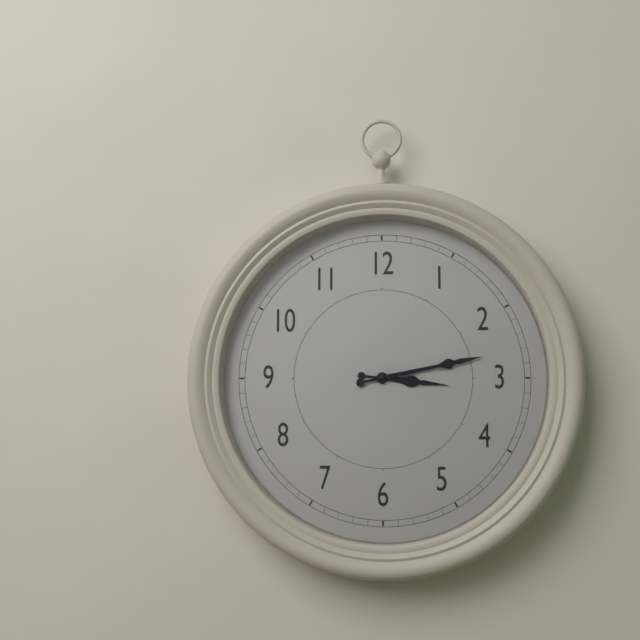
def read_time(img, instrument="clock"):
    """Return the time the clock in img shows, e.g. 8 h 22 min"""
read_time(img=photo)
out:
3 h 13 min
